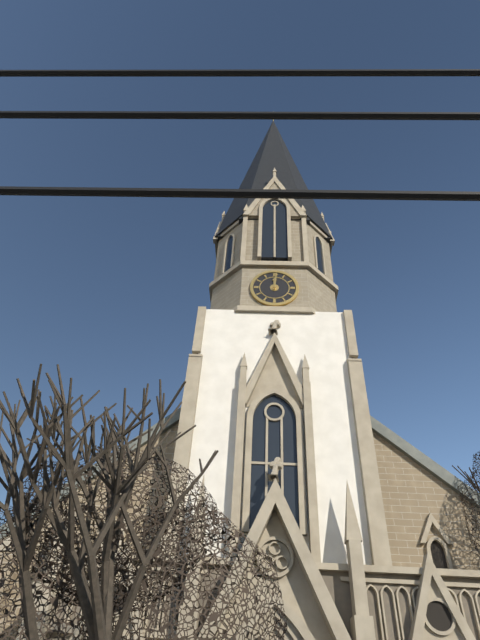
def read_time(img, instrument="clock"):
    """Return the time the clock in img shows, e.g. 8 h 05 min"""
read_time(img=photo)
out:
12 h 01 min
